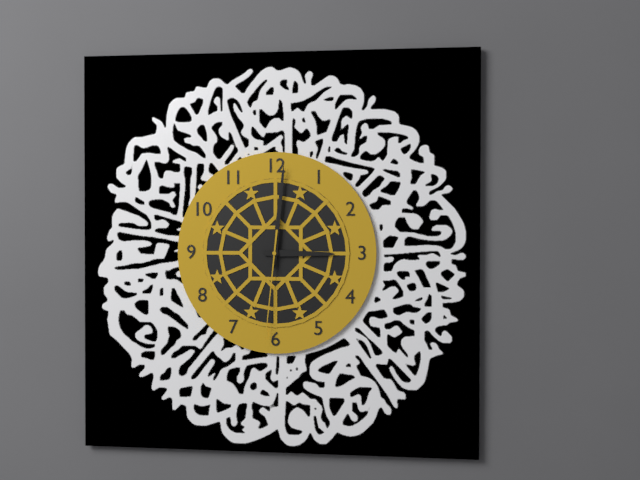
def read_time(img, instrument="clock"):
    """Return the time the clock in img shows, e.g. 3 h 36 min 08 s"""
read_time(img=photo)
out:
3 h 01 min 31 s
